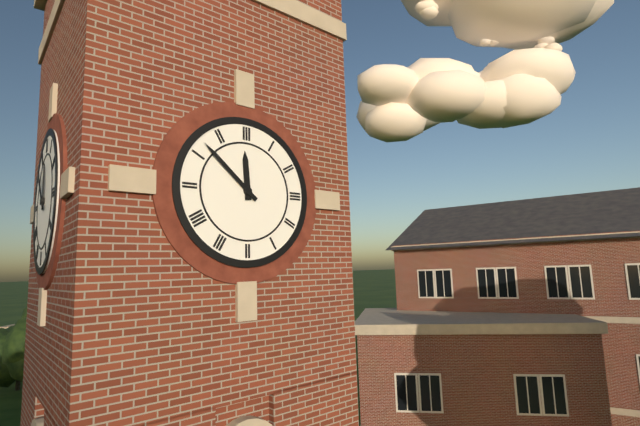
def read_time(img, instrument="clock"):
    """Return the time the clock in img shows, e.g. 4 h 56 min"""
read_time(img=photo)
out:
11 h 52 min
